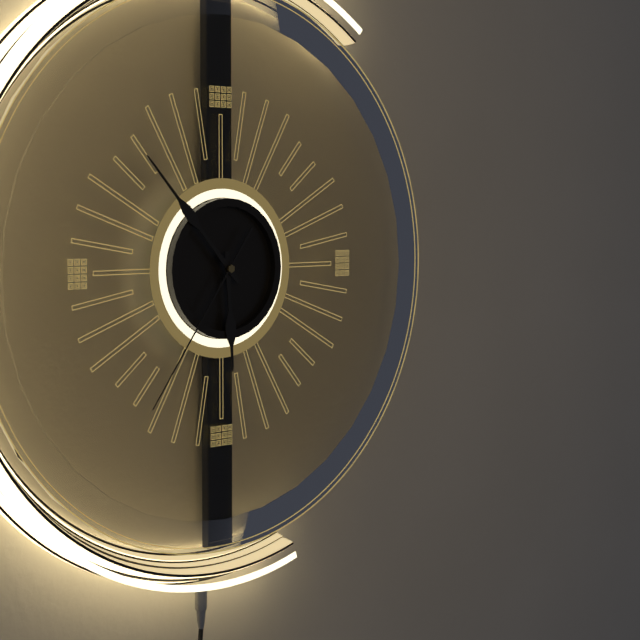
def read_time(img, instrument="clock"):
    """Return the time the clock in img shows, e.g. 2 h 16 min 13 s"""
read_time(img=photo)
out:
5 h 53 min 36 s
